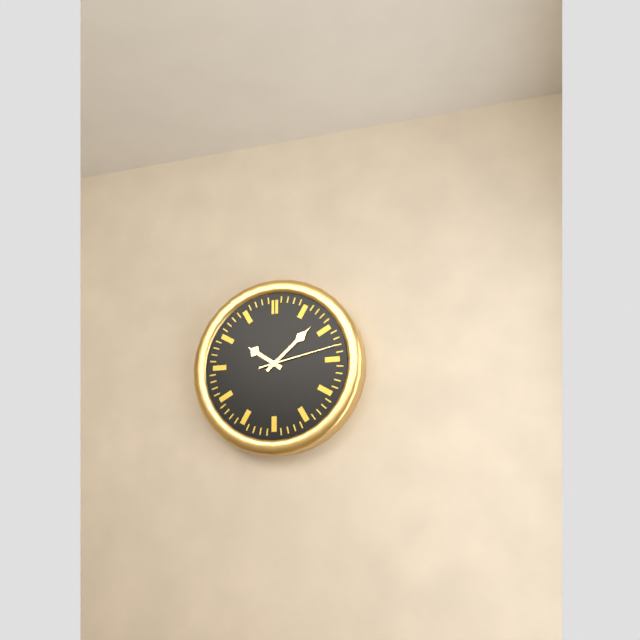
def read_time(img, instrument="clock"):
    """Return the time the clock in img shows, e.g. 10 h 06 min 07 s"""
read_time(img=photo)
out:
10 h 08 min 13 s
